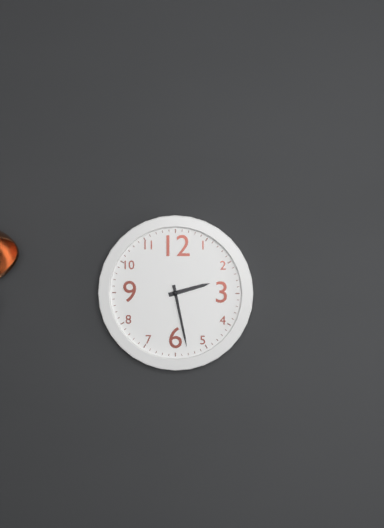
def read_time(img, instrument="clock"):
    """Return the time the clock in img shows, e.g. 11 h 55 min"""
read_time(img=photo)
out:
2 h 28 min
